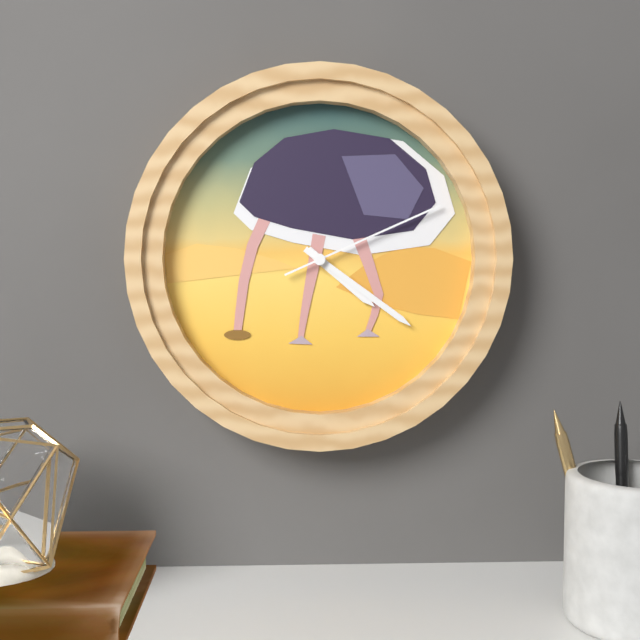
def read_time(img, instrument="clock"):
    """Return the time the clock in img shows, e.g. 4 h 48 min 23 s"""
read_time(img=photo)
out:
4 h 21 min 11 s
